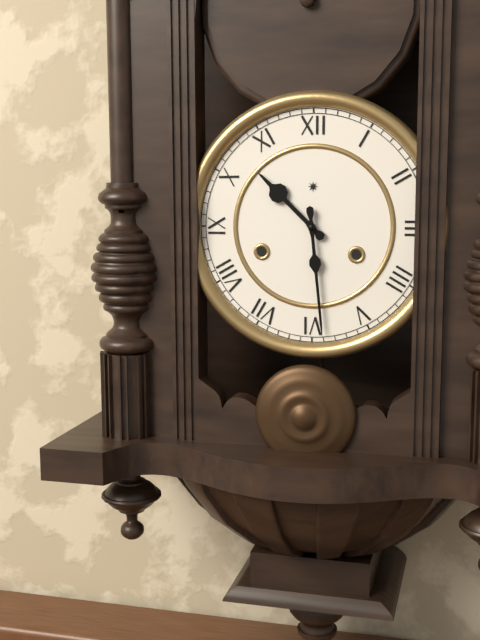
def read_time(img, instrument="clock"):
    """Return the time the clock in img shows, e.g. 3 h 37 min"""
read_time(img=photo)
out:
10 h 29 min
